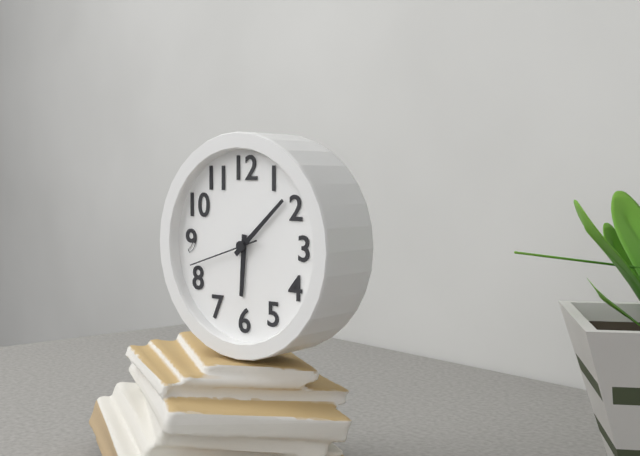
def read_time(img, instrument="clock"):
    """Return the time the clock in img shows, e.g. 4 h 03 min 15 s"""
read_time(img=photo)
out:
6 h 08 min 42 s
